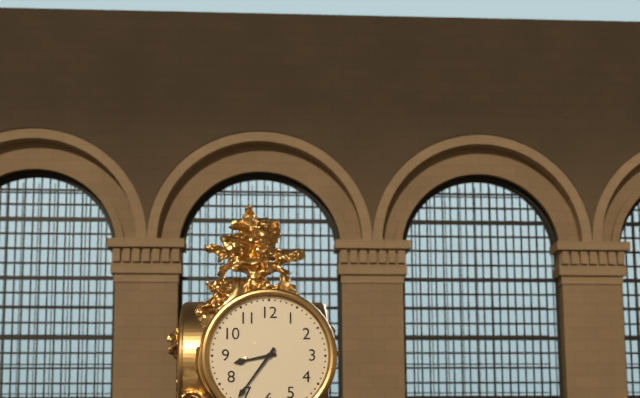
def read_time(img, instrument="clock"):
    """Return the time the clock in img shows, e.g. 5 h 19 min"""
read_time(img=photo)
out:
8 h 36 min
